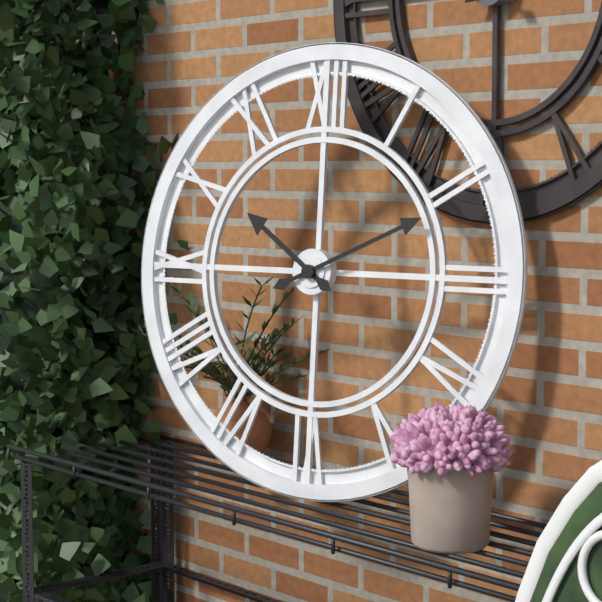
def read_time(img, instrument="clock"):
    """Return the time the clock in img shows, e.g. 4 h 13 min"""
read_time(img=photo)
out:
10 h 11 min
